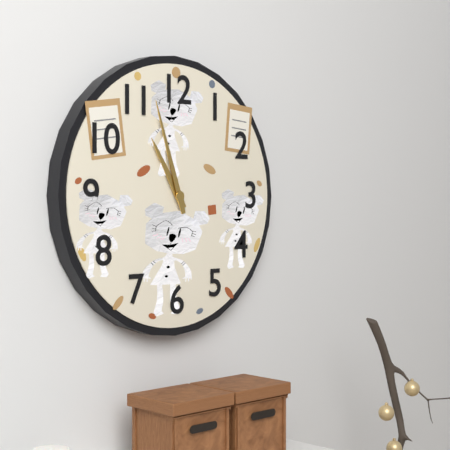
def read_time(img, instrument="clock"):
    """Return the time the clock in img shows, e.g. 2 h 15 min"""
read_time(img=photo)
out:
10 h 57 min
